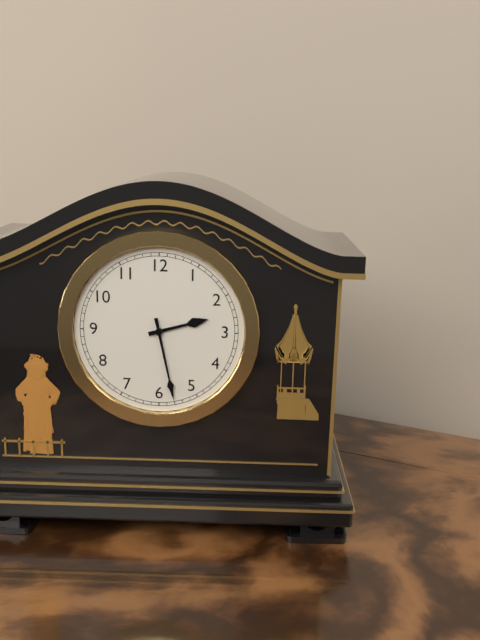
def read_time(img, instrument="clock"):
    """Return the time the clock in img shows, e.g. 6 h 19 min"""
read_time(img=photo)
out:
2 h 28 min
